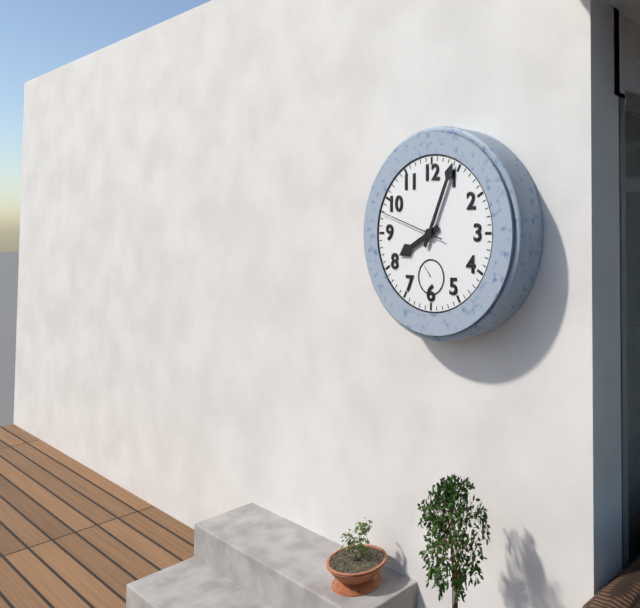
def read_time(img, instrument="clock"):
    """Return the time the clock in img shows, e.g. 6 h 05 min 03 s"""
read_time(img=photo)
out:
8 h 04 min 48 s
